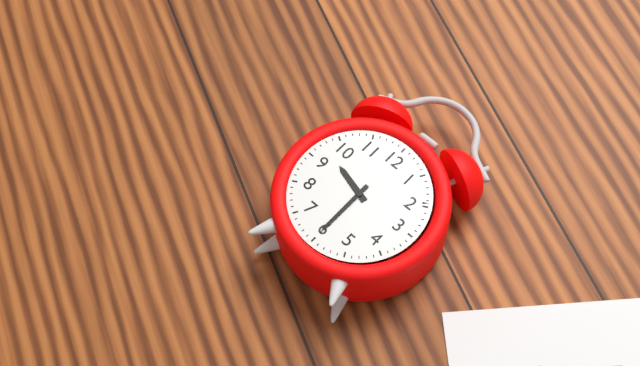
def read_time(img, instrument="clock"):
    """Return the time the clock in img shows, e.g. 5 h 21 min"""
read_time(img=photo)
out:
9 h 30 min
